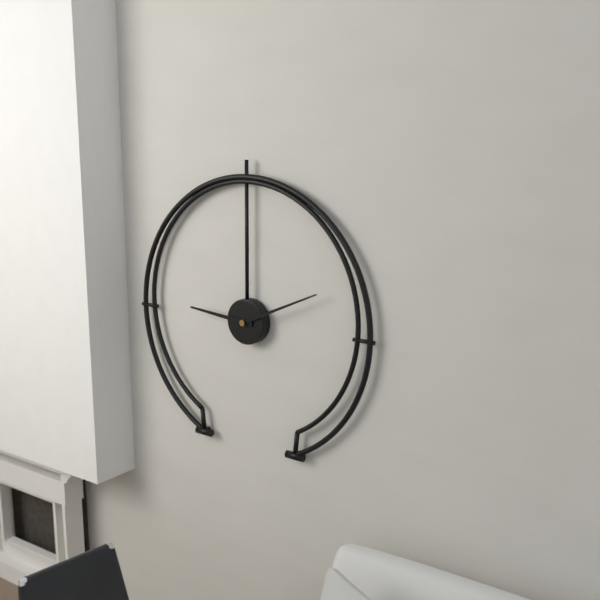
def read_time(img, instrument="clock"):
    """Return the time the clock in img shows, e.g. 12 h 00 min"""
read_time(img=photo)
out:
9 h 11 min
